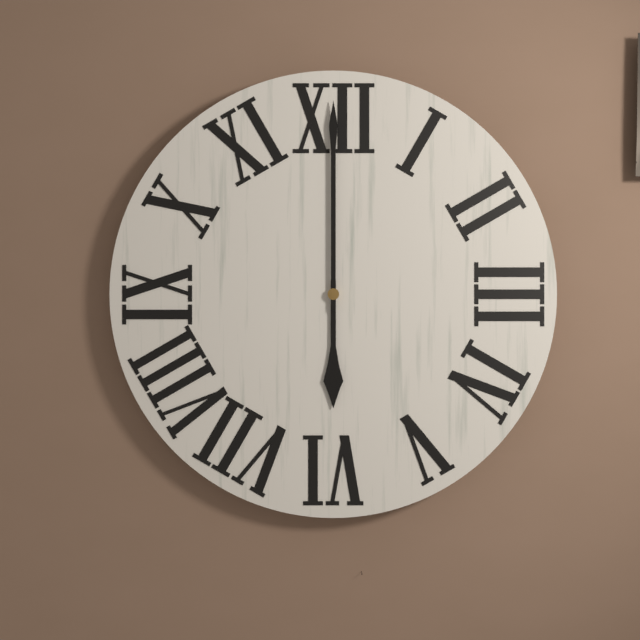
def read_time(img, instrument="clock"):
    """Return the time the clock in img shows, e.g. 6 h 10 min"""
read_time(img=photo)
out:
6 h 00 min
